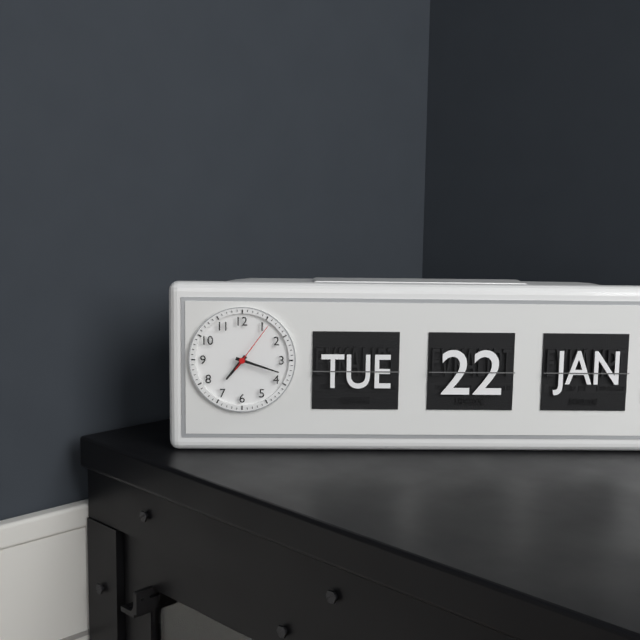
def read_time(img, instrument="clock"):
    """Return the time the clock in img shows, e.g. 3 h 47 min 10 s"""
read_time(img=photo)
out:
7 h 18 min 06 s
